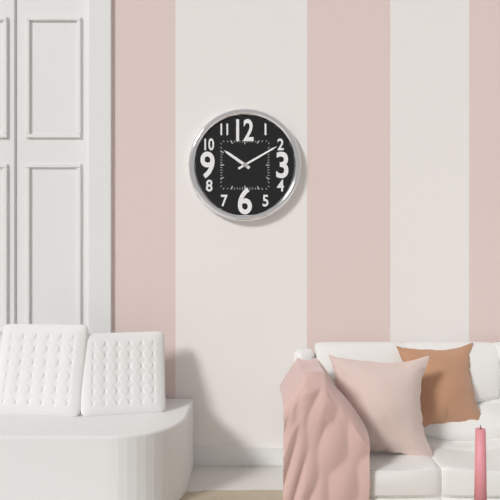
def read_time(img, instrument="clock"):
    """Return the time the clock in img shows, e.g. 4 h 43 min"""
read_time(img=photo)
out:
10 h 10 min
